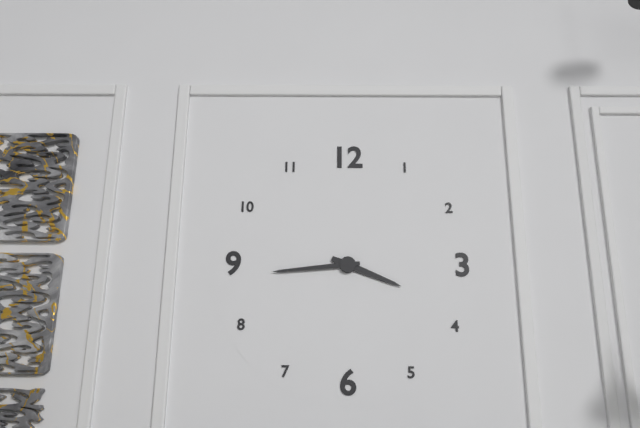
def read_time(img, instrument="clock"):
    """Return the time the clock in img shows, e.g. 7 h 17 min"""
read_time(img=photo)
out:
3 h 44 min
